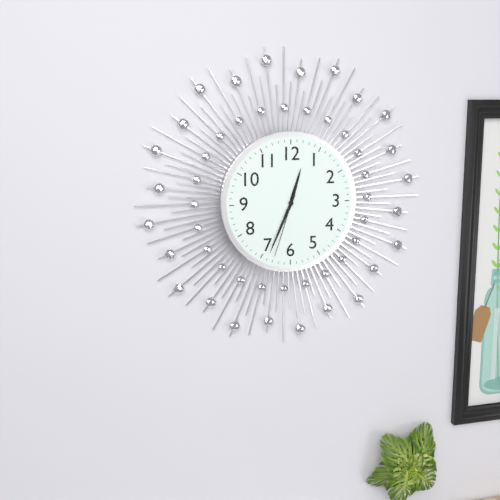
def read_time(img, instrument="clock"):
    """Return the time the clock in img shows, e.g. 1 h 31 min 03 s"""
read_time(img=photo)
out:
12 h 34 min 33 s
